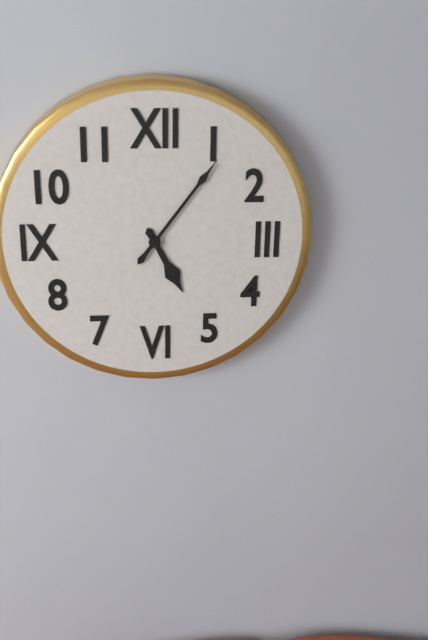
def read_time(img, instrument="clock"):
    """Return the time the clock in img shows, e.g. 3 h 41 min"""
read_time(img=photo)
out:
5 h 06 min
